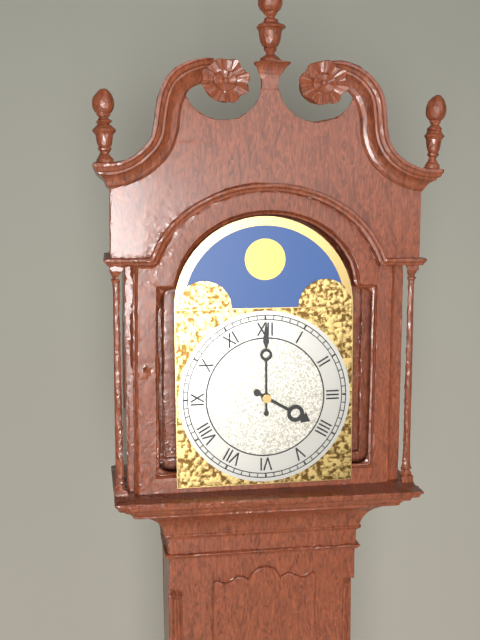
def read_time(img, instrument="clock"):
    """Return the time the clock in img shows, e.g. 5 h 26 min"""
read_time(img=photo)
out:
4 h 00 min
